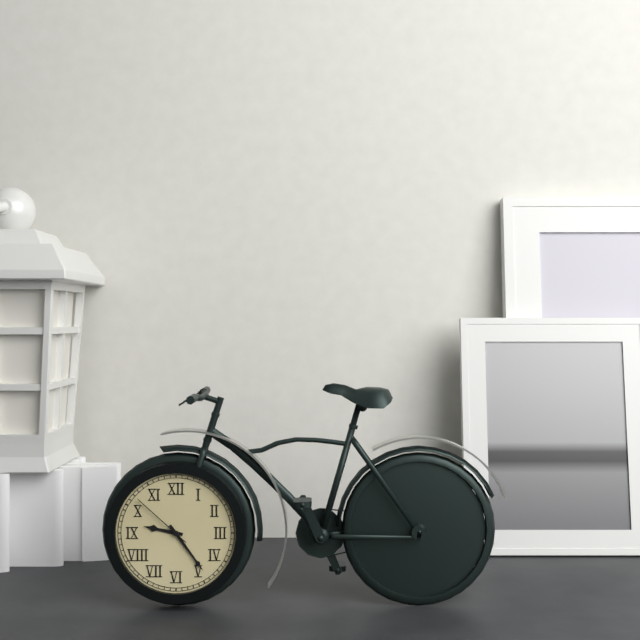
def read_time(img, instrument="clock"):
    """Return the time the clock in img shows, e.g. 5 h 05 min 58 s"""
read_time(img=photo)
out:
9 h 24 min 52 s
